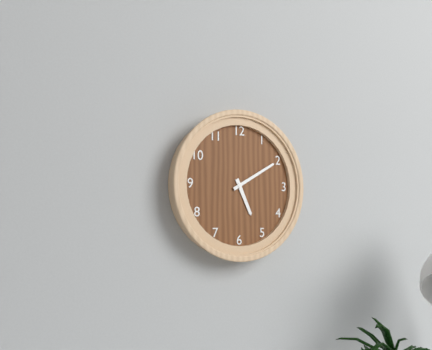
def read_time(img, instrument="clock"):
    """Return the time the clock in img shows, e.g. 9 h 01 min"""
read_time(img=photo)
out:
5 h 10 min
